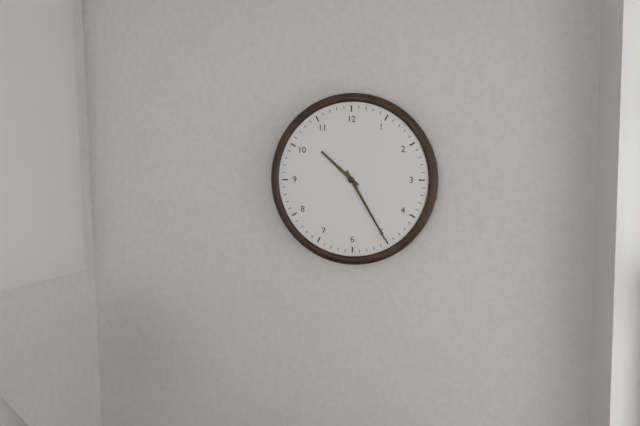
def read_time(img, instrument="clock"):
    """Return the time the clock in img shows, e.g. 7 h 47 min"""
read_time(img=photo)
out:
10 h 25 min
